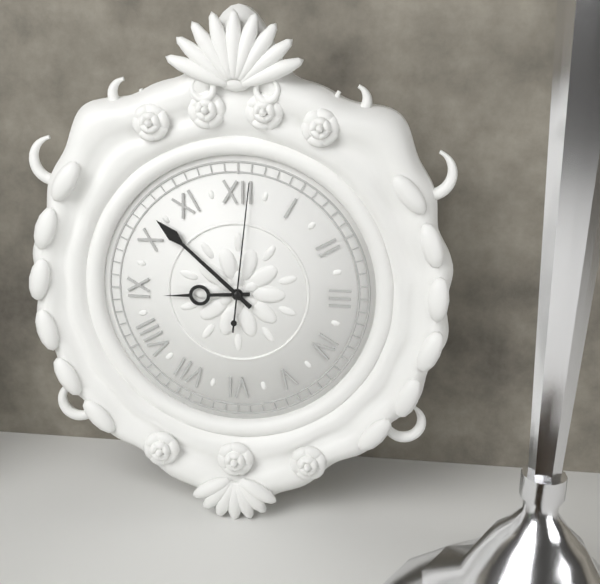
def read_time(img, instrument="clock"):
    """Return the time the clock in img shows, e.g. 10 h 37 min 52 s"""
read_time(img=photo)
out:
8 h 52 min 01 s
